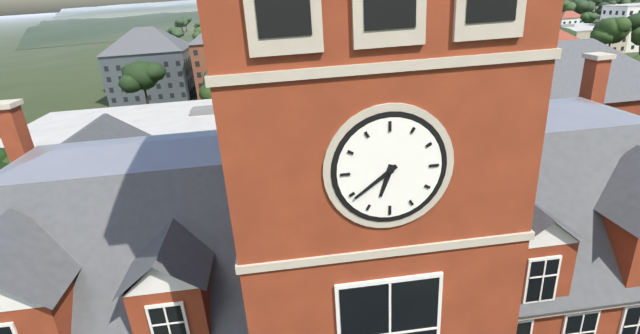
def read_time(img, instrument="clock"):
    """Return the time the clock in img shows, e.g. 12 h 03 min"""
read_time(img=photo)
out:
6 h 39 min
